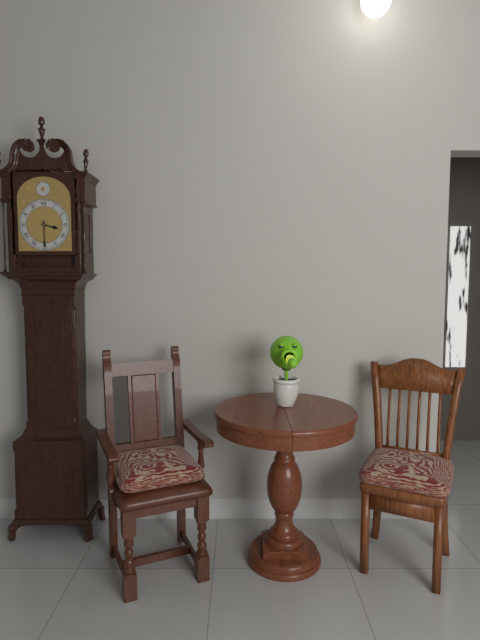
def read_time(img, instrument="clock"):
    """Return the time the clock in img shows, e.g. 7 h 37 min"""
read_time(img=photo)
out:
3 h 30 min
